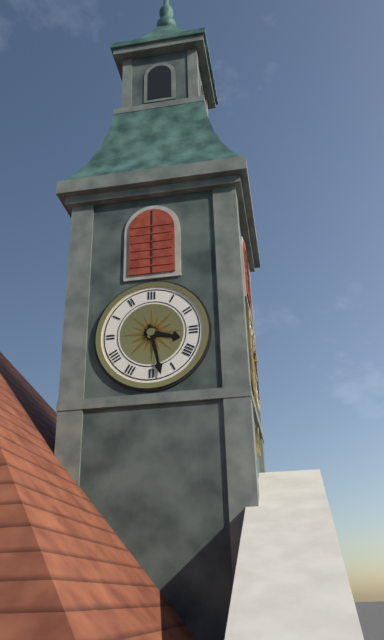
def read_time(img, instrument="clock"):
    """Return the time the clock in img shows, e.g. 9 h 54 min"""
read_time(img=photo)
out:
3 h 28 min
